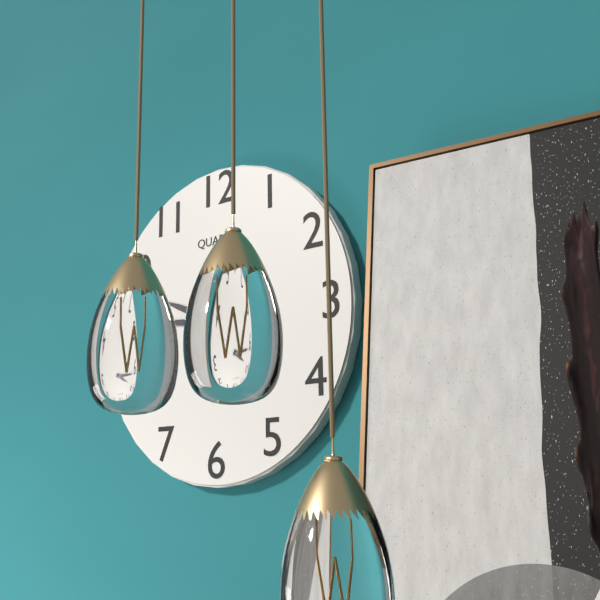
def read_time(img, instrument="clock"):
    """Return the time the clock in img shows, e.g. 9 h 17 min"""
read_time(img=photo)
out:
9 h 46 min
